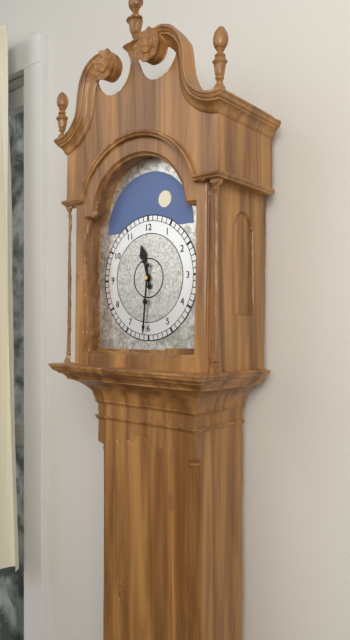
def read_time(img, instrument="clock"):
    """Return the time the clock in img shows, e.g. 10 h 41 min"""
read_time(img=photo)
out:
11 h 31 min
